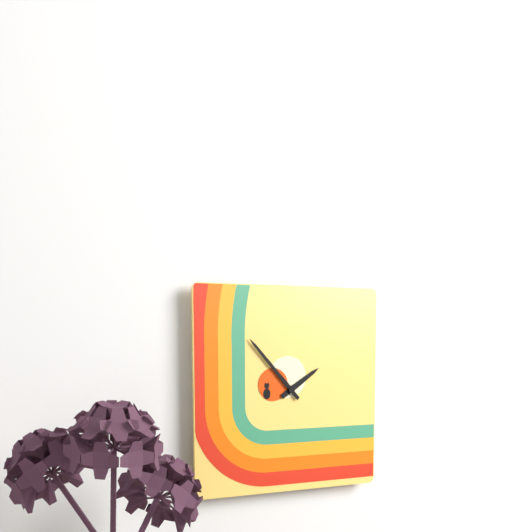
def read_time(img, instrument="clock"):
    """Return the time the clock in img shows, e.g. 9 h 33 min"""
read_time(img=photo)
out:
1 h 53 min
